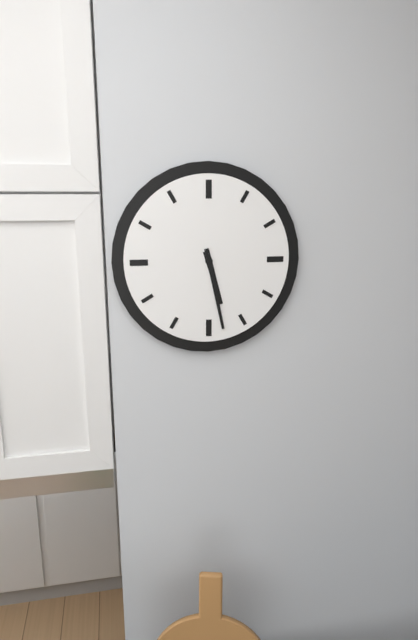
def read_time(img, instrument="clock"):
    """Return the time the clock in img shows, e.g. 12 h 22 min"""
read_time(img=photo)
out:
5 h 28 min
